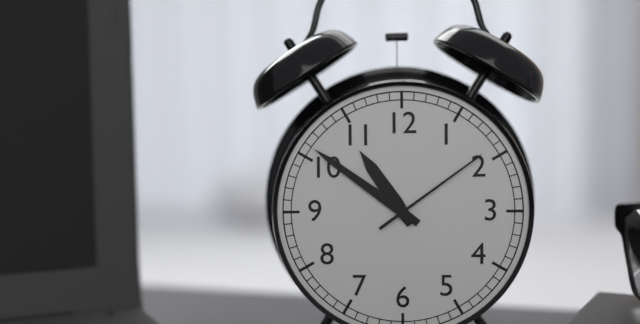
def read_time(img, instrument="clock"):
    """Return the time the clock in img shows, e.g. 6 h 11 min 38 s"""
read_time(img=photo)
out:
10 h 51 min 09 s
